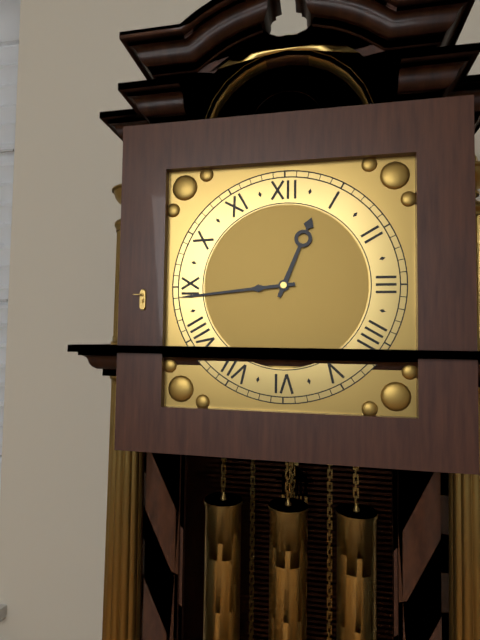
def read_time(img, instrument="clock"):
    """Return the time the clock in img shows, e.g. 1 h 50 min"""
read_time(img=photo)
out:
12 h 44 min
